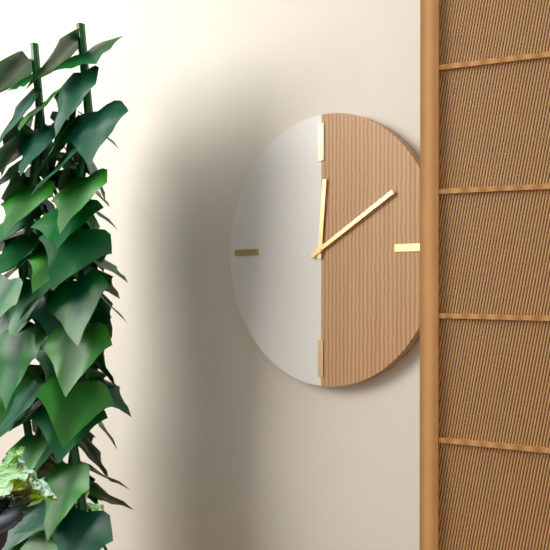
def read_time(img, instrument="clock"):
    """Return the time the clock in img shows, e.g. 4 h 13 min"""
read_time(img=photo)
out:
12 h 10 min
